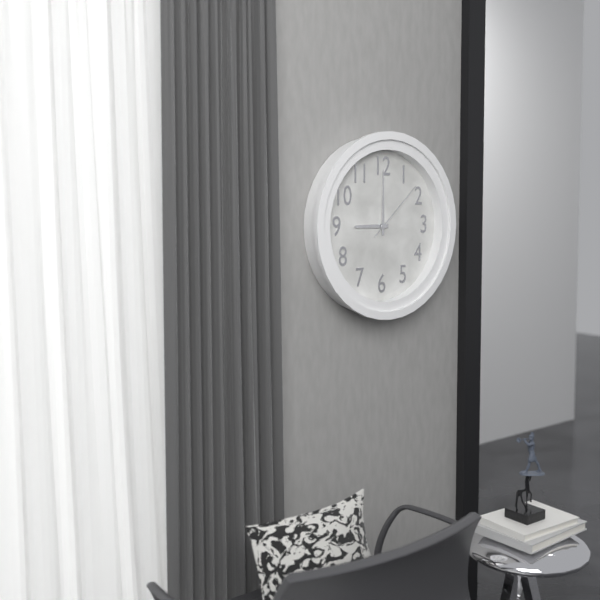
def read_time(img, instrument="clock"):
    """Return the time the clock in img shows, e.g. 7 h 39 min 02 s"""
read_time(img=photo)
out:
9 h 00 min 08 s
